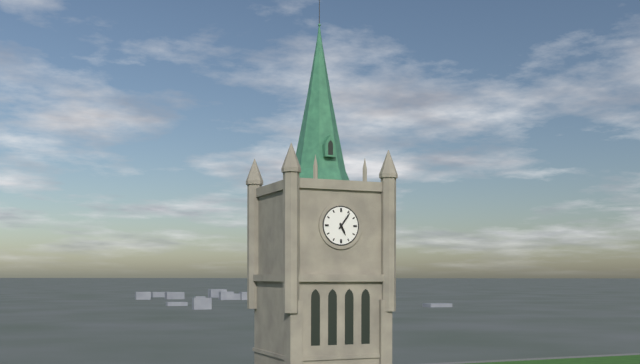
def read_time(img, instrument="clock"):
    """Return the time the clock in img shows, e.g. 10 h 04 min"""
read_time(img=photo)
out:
5 h 06 min
